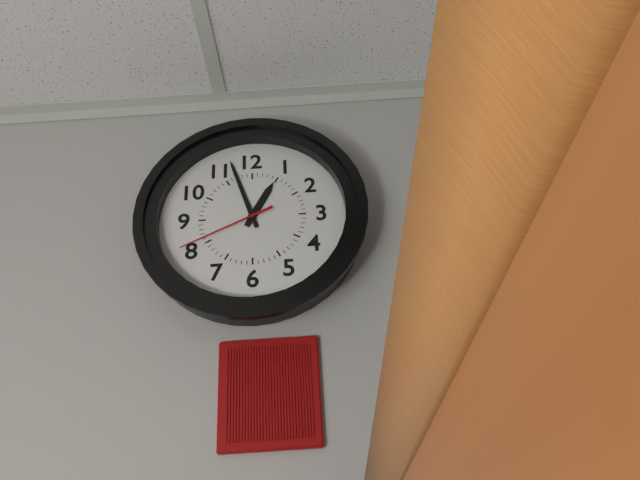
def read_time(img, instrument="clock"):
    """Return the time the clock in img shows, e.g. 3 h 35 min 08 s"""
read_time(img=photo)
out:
12 h 57 min 41 s
